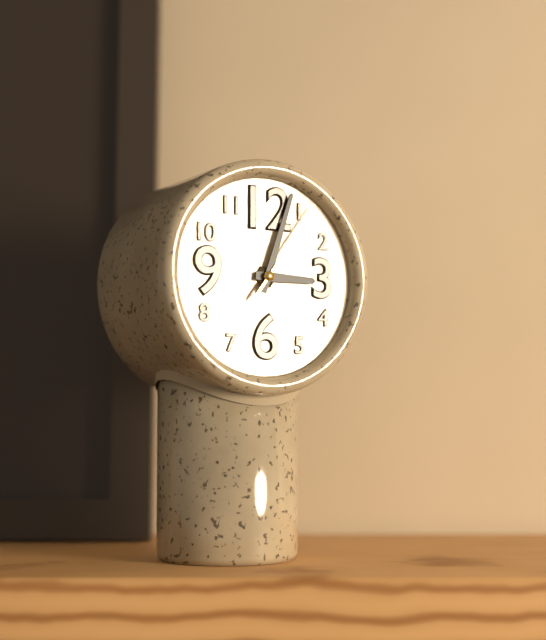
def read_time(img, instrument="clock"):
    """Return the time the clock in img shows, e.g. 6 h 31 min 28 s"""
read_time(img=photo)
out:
3 h 03 min 06 s
